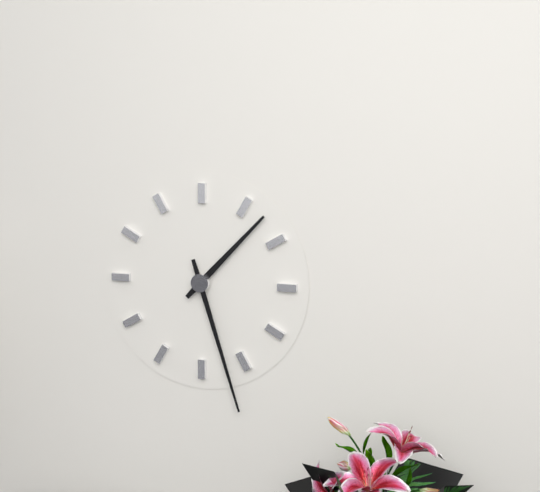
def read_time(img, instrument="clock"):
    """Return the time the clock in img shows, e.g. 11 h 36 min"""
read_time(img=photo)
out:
1 h 27 min
